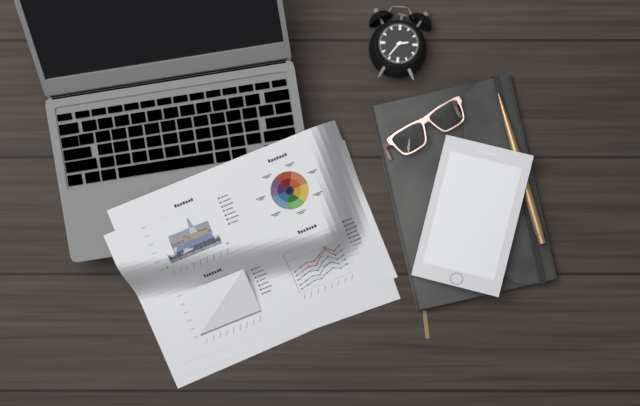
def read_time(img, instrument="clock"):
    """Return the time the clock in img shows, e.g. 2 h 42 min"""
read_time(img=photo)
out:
2 h 36 min
